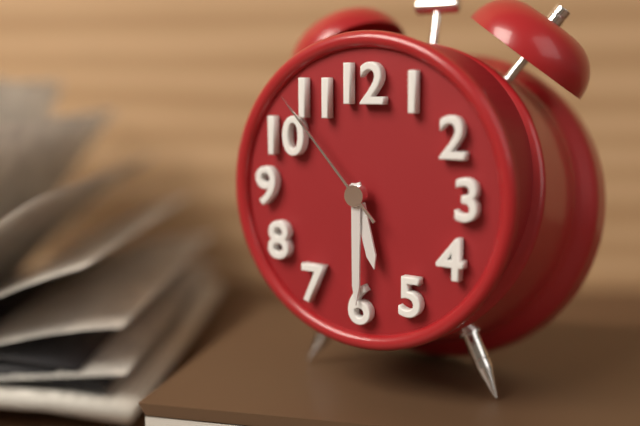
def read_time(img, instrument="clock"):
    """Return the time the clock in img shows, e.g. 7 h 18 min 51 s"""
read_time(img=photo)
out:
5 h 30 min 53 s
